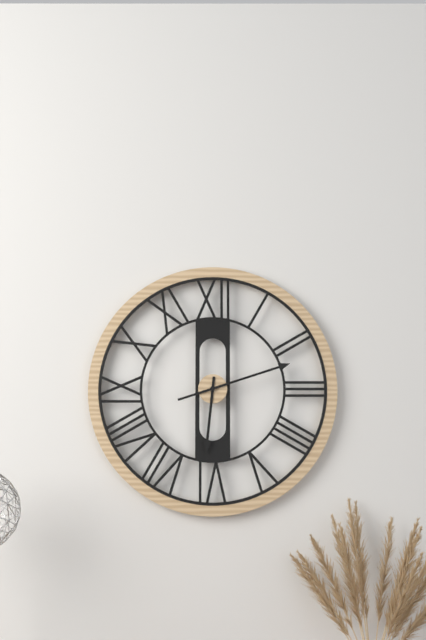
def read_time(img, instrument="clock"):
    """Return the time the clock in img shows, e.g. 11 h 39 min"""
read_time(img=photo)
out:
6 h 12 min
